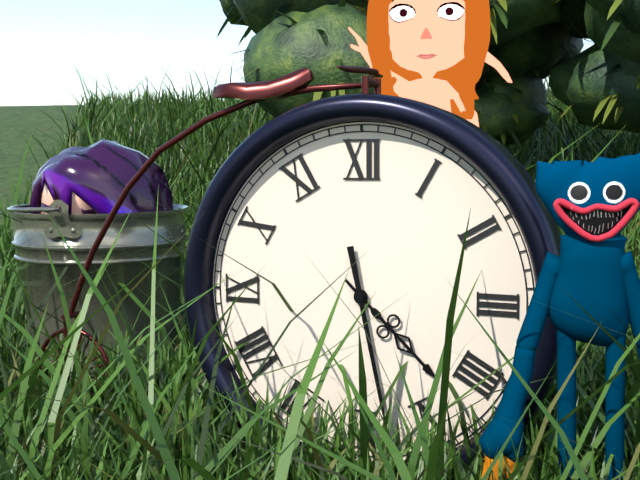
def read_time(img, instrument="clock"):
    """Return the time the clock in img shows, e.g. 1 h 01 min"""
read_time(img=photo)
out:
4 h 28 min
